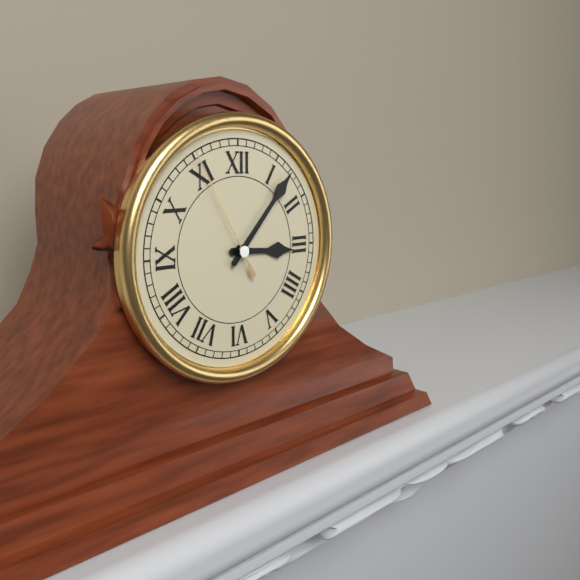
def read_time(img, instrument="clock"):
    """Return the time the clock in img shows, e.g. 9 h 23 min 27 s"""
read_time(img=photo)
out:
3 h 07 min 55 s
